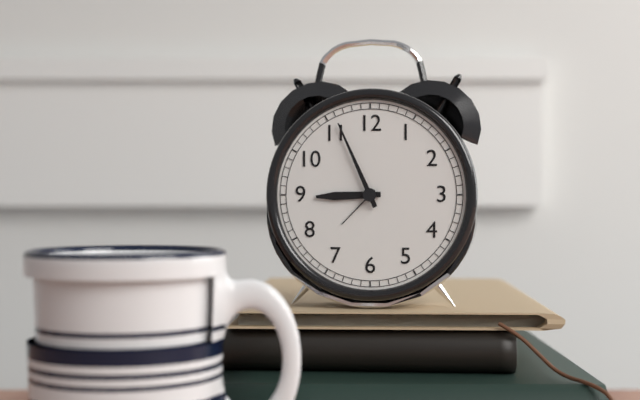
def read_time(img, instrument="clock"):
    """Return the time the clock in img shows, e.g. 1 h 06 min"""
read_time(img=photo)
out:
8 h 56 min
